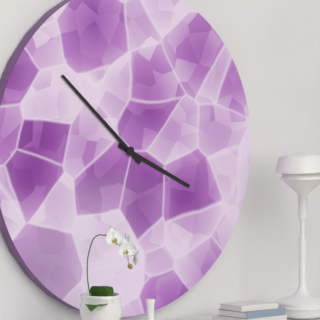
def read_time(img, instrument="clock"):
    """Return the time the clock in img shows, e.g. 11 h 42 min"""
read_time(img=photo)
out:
3 h 52 min
